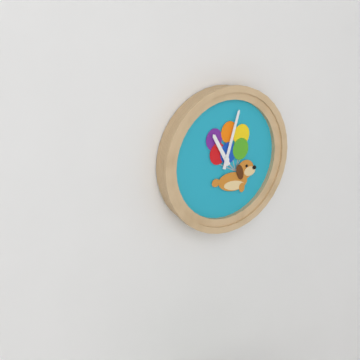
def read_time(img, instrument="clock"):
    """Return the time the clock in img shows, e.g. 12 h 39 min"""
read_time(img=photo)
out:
11 h 03 min
